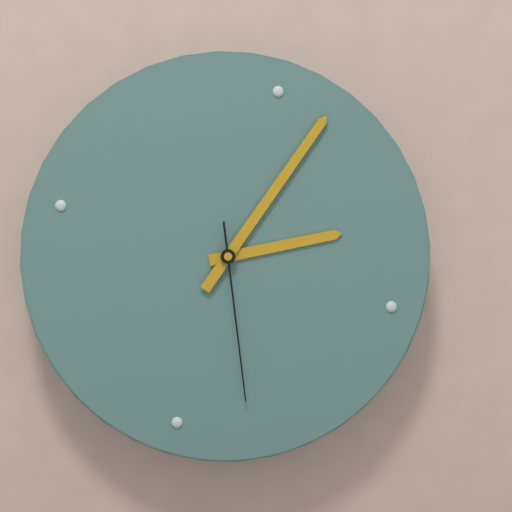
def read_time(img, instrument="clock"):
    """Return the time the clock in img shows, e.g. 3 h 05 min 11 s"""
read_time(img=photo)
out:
2 h 03 min 26 s
